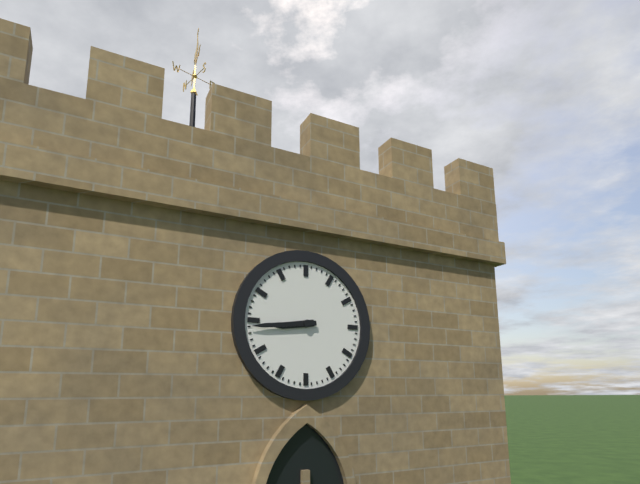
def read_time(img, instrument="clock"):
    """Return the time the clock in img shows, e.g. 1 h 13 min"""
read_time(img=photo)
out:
8 h 44 min
